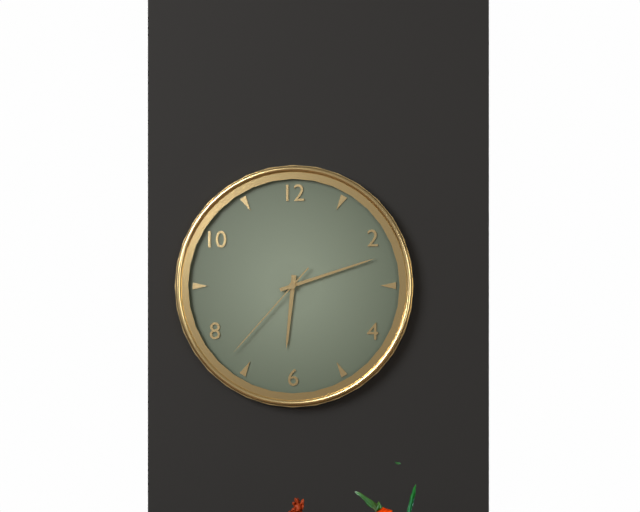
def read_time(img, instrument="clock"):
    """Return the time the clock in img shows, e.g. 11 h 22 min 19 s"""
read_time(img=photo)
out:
6 h 12 min 37 s
